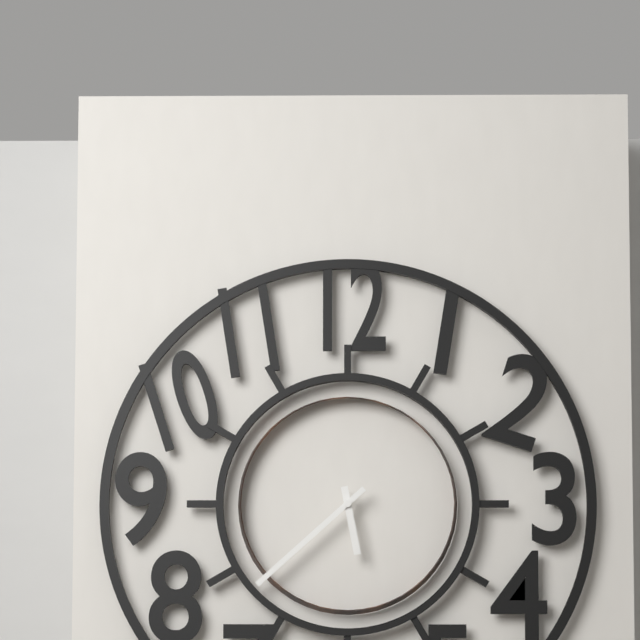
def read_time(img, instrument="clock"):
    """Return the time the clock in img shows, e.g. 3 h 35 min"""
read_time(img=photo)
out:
5 h 38 min
